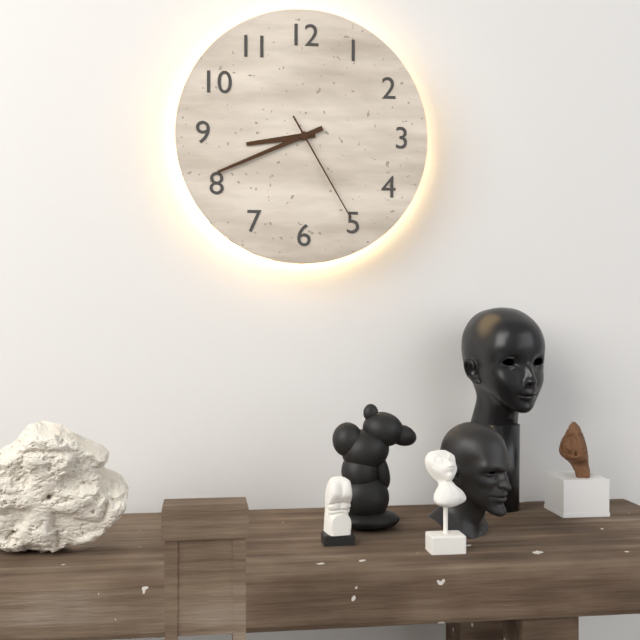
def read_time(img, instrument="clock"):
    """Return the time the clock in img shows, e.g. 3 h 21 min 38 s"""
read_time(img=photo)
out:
8 h 41 min 25 s
